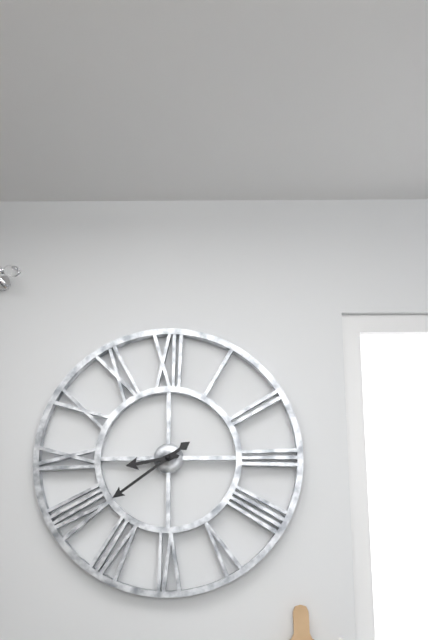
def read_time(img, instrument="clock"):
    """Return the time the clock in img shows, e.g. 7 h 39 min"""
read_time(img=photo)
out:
8 h 39 min
